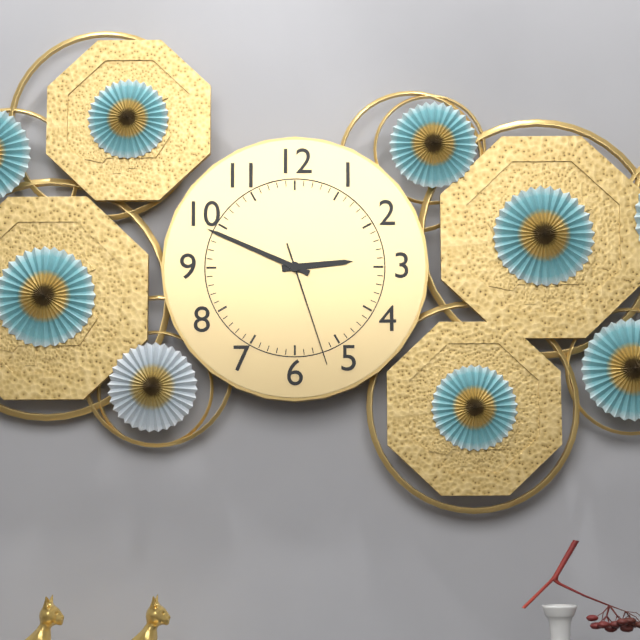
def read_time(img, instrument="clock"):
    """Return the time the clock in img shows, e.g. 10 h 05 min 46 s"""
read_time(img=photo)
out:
2 h 49 min 27 s
